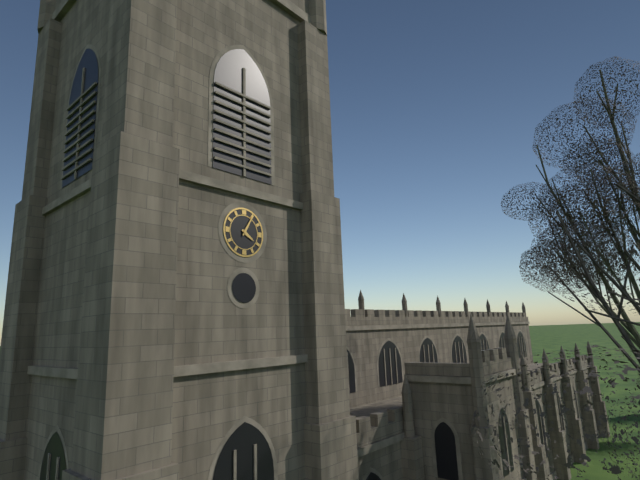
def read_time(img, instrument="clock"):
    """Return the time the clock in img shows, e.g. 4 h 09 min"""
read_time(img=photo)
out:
4 h 05 min
